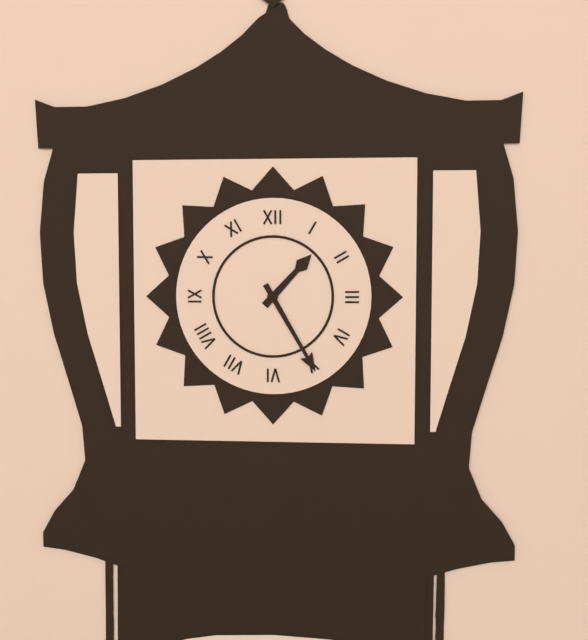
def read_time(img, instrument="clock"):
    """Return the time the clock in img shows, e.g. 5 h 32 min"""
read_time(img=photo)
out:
1 h 25 min
